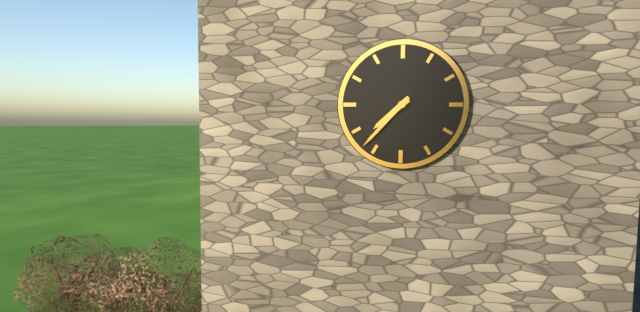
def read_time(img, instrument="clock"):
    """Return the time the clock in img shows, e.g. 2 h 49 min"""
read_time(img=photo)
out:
7 h 37 min
